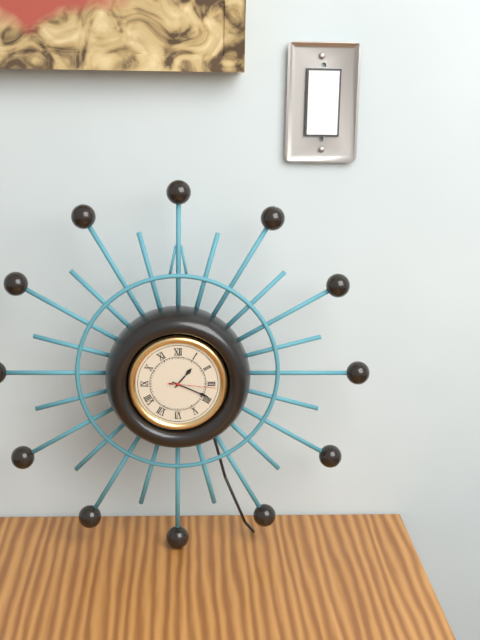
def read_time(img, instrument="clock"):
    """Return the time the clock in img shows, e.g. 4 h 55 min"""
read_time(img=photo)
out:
1 h 19 min
